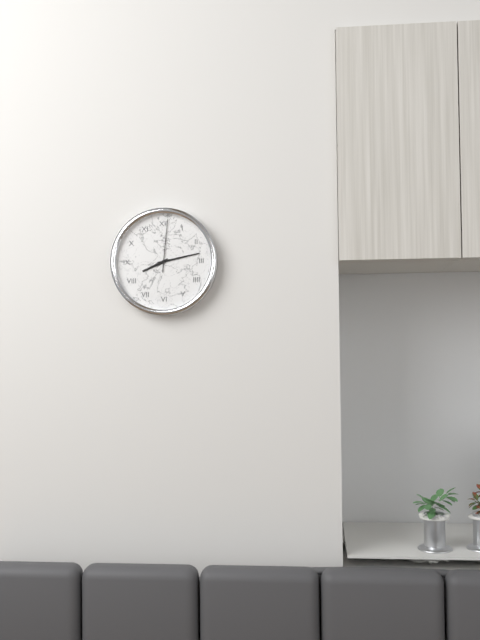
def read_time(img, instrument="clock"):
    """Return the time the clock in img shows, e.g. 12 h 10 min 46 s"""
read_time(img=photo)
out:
8 h 13 min 01 s
